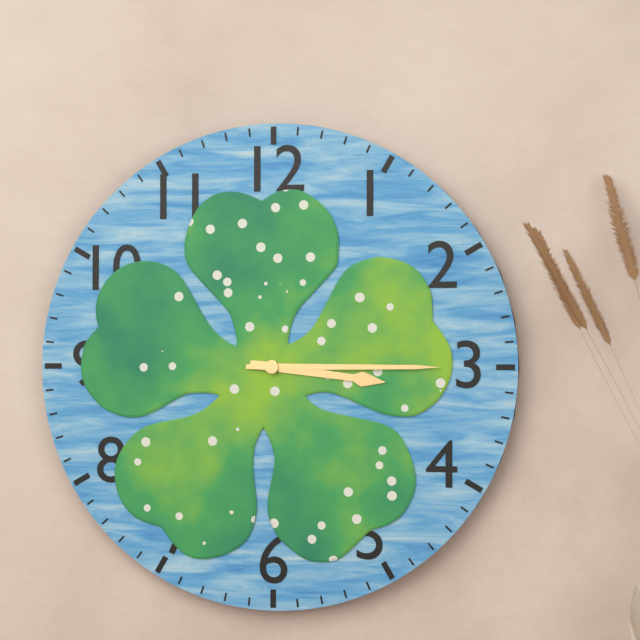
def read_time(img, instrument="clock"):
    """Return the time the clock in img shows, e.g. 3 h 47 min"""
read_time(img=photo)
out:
3 h 15 min
